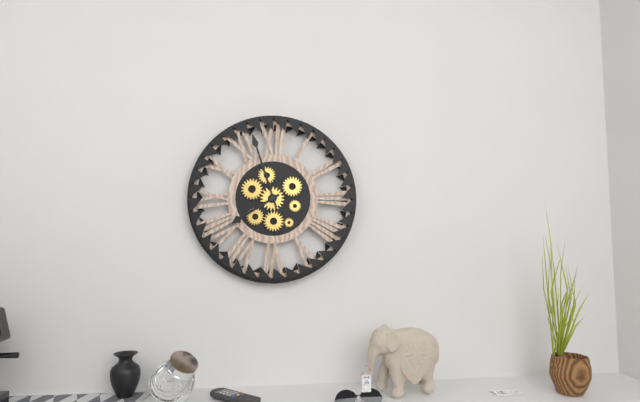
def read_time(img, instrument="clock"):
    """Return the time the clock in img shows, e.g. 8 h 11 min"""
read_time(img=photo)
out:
7 h 57 min
